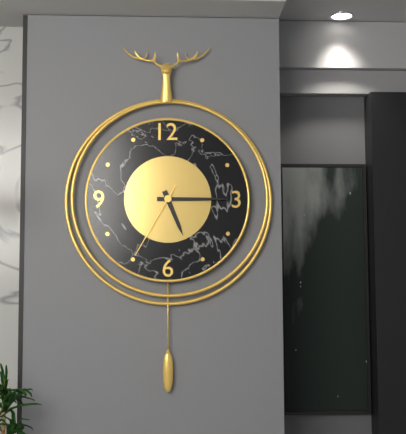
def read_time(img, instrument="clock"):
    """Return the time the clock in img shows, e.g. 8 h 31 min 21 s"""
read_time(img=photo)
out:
5 h 15 min 35 s
